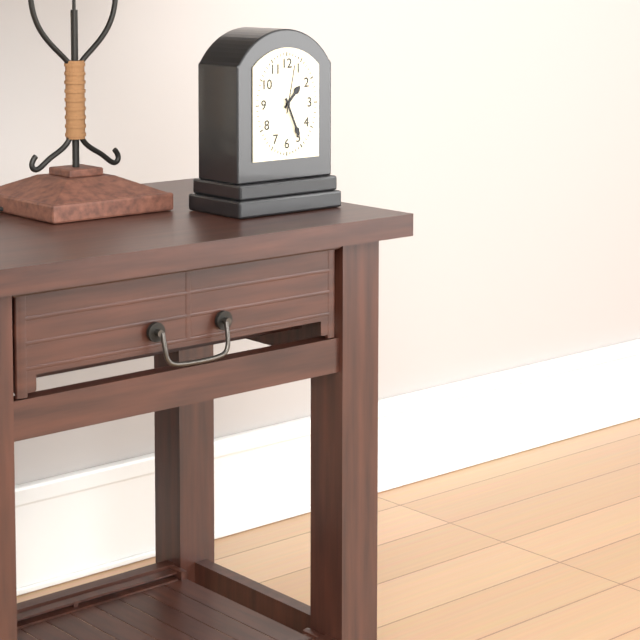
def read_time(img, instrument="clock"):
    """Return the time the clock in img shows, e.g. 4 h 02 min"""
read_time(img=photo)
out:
1 h 26 min
